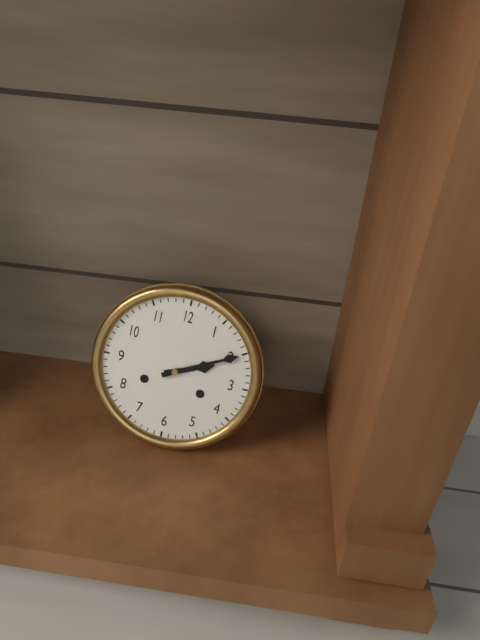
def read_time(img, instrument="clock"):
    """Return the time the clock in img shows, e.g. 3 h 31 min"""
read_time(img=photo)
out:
2 h 10 min
